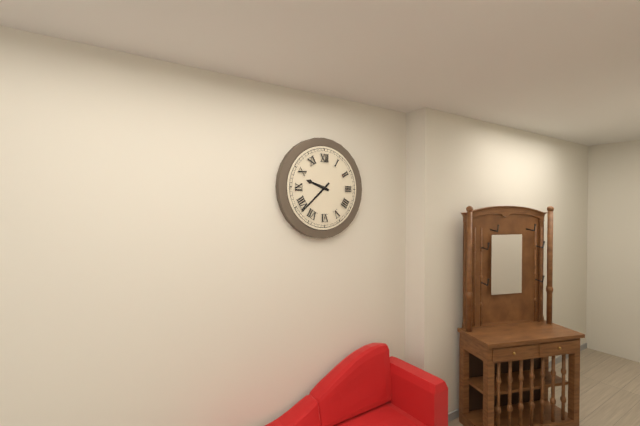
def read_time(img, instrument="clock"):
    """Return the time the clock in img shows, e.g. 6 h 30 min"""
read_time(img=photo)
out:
9 h 38 min
